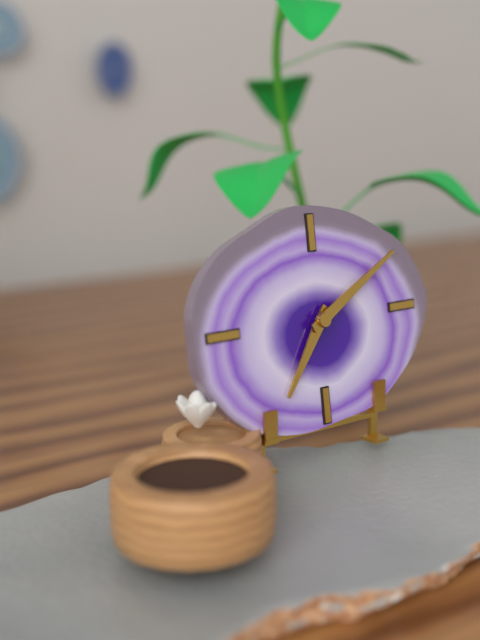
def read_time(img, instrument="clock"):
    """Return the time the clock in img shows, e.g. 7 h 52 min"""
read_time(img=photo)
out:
7 h 10 min
